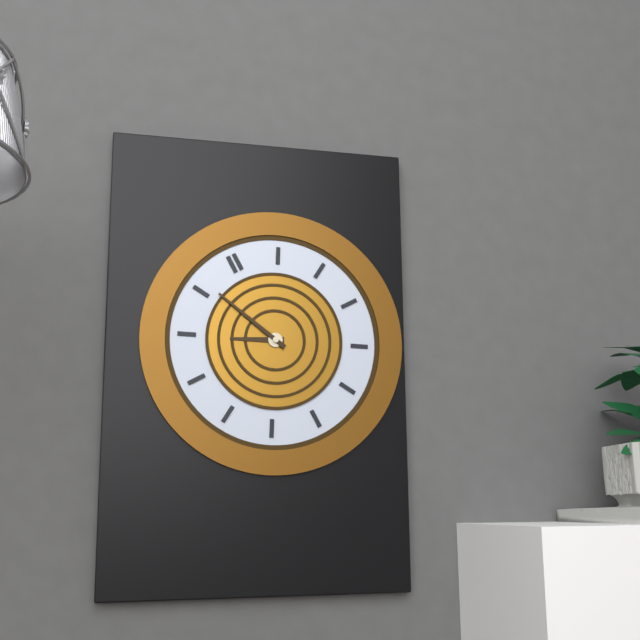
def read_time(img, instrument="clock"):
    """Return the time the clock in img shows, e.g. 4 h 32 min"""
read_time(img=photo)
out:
9 h 56 min
